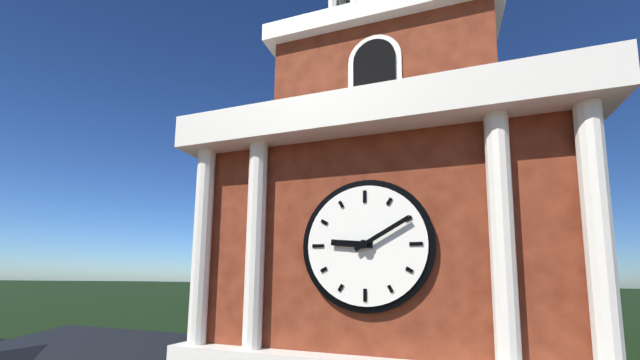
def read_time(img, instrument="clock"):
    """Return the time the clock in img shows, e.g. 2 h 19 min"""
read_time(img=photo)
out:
9 h 10 min
